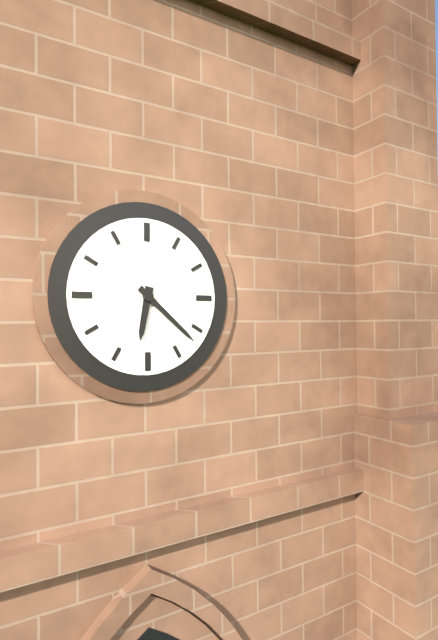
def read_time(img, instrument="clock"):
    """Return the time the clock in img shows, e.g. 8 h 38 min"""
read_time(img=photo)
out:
6 h 22 min
